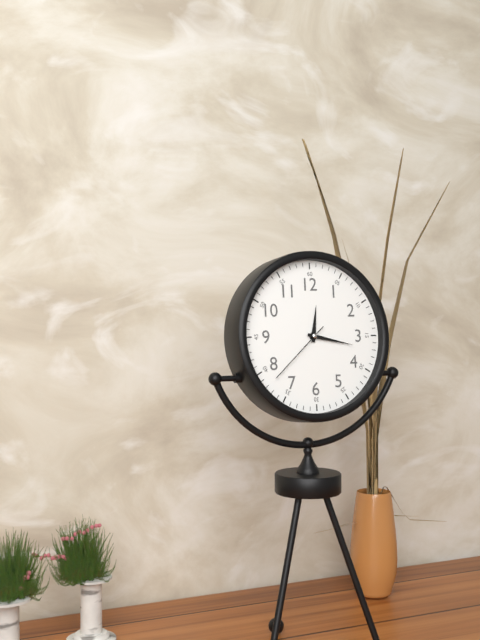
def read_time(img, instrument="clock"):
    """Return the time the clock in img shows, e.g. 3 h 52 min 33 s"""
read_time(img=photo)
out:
12 h 17 min 38 s
